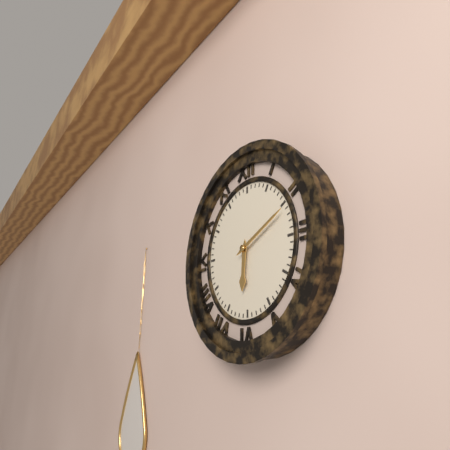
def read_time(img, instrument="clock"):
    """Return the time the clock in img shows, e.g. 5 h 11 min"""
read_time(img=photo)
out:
6 h 11 min
